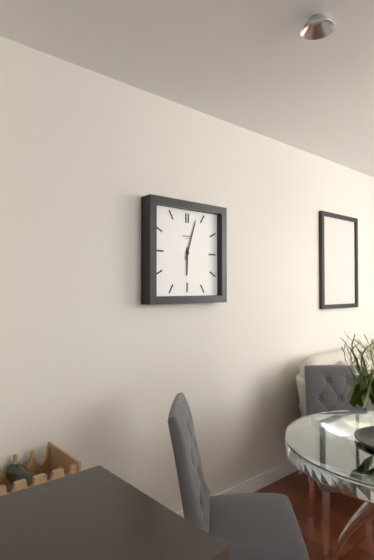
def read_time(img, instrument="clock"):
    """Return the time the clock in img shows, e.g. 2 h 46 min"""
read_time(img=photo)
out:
6 h 03 min
